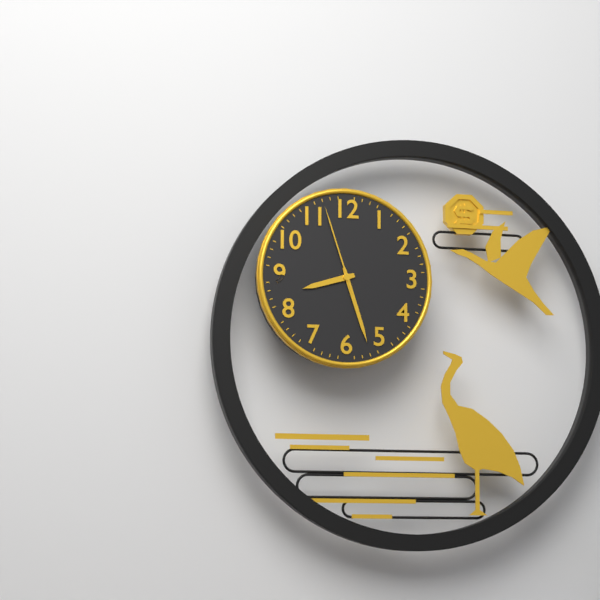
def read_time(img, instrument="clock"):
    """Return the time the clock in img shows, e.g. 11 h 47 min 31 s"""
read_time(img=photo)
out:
8 h 27 min 57 s
